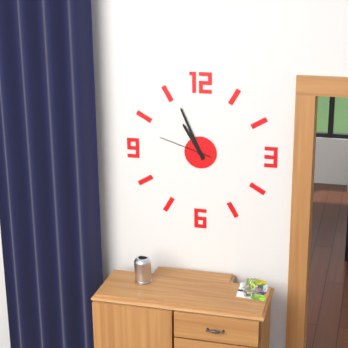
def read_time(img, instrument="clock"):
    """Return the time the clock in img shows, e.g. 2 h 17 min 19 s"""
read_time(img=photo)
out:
10 h 56 min 48 s
